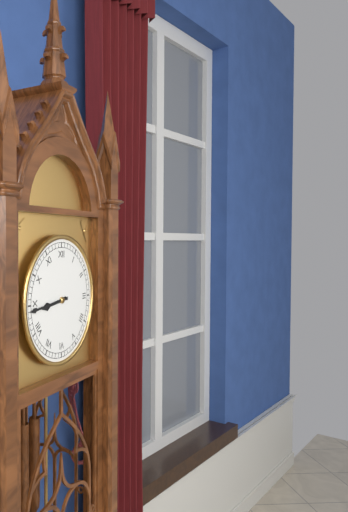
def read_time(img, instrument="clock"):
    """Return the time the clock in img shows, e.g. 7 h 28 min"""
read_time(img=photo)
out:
8 h 44 min
